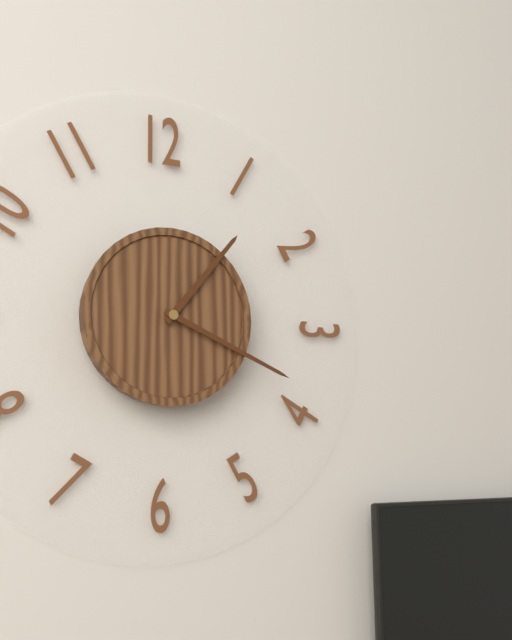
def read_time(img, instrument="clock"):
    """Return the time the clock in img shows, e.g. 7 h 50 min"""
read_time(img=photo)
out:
1 h 19 min
